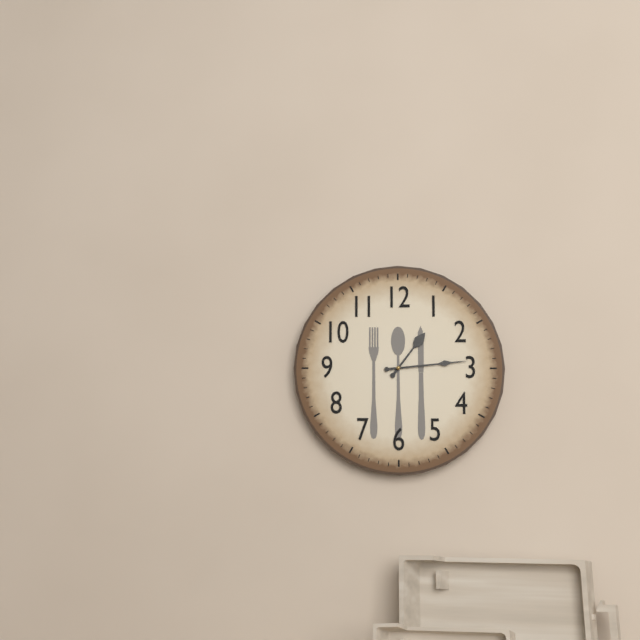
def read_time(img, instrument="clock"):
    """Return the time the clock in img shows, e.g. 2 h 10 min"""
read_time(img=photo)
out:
1 h 14 min
